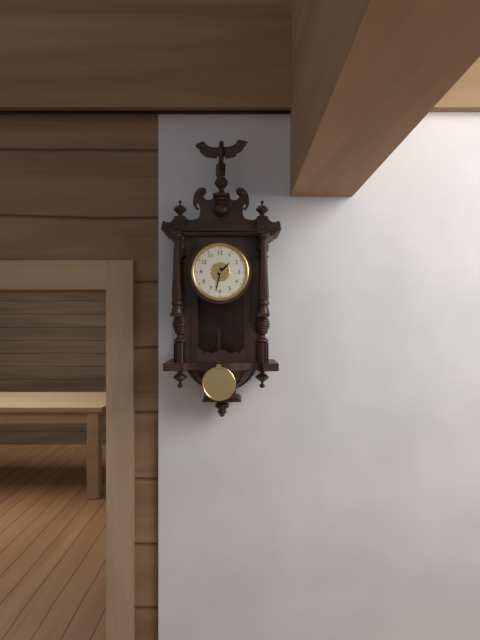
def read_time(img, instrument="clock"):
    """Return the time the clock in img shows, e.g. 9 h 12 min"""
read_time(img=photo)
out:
1 h 32 min
